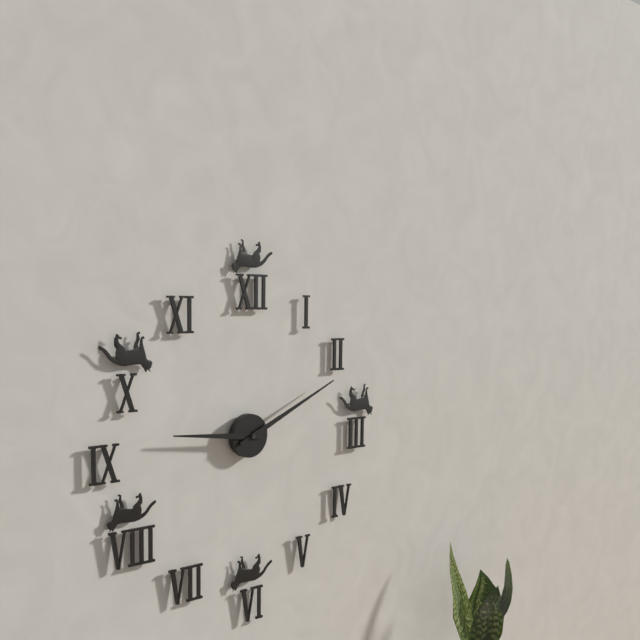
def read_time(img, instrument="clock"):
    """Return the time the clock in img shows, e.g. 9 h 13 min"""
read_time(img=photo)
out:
9 h 11 min
